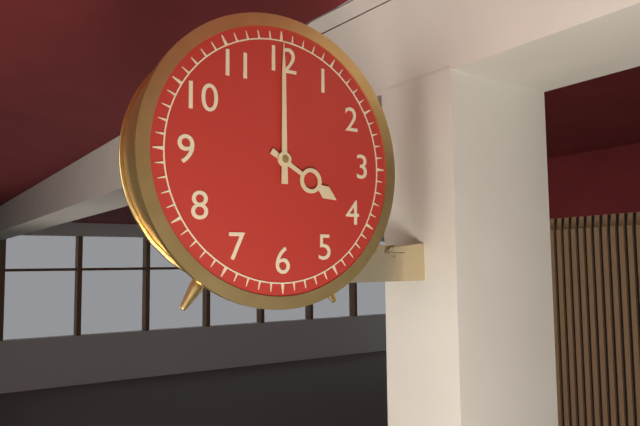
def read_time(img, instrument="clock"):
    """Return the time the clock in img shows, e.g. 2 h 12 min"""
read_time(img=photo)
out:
4 h 00 min
